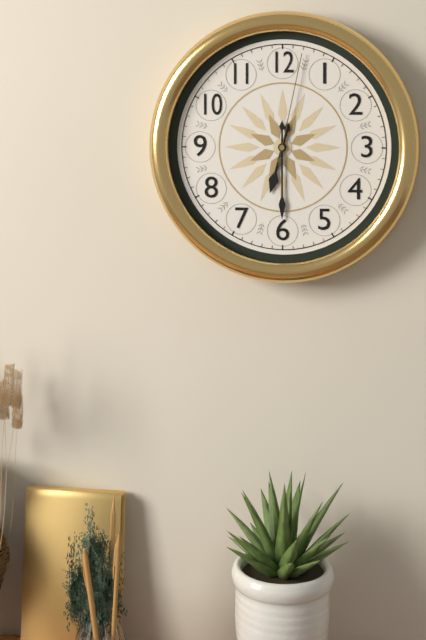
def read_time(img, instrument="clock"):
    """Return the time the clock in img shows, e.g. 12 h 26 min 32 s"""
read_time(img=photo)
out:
6 h 30 min 02 s
